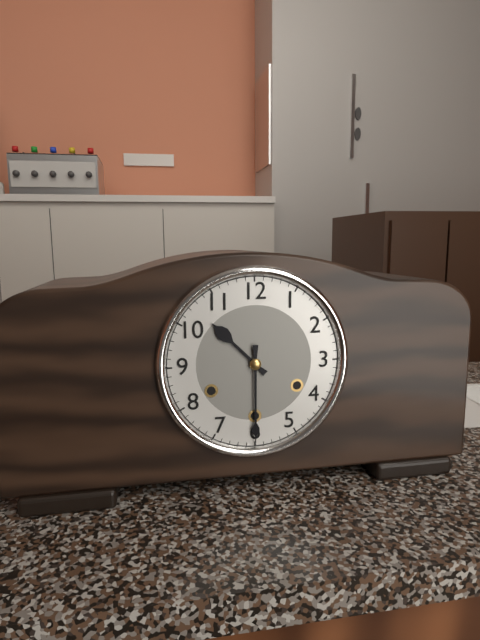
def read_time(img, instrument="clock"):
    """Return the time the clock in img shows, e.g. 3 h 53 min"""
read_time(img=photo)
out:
10 h 30 min
